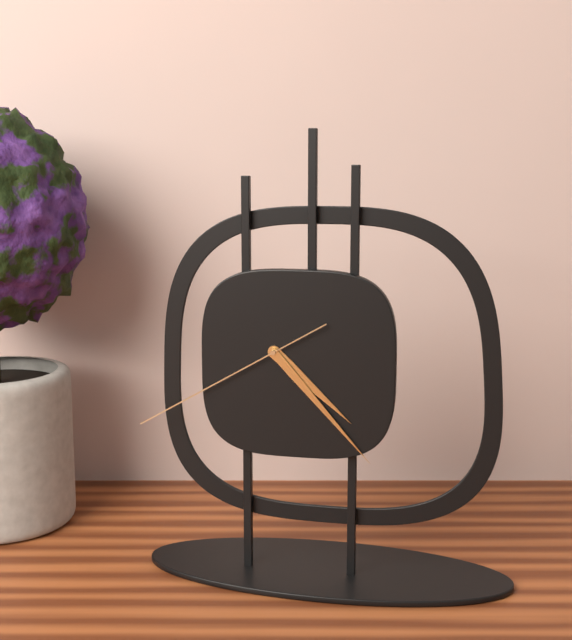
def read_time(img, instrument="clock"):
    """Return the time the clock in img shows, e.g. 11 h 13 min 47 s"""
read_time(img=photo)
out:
4 h 23 min 40 s
